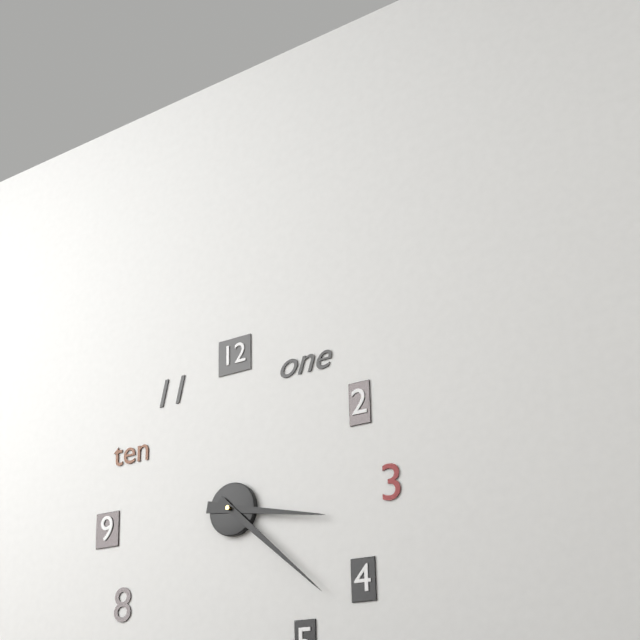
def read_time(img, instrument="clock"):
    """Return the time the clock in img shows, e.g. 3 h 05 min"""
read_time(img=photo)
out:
3 h 22 min
